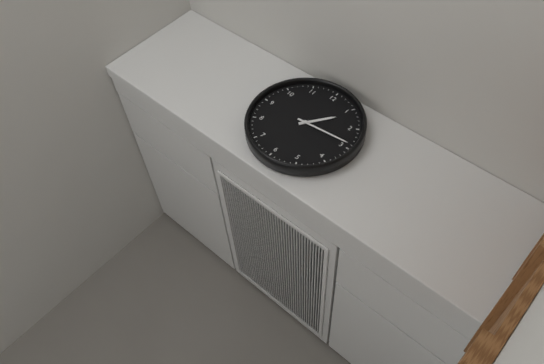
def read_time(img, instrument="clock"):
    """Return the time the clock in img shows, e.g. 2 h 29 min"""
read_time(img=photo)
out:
1 h 14 min
